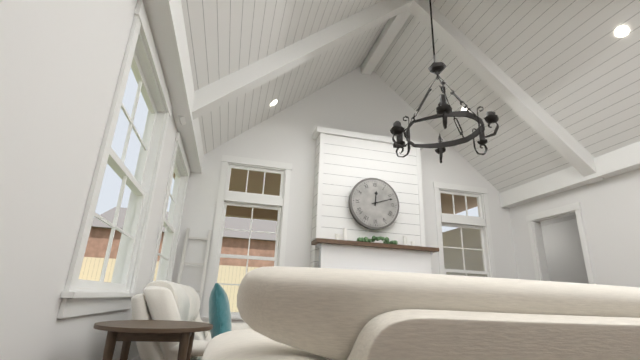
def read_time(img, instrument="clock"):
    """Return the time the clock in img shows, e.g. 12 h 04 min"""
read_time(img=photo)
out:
12 h 12 min
